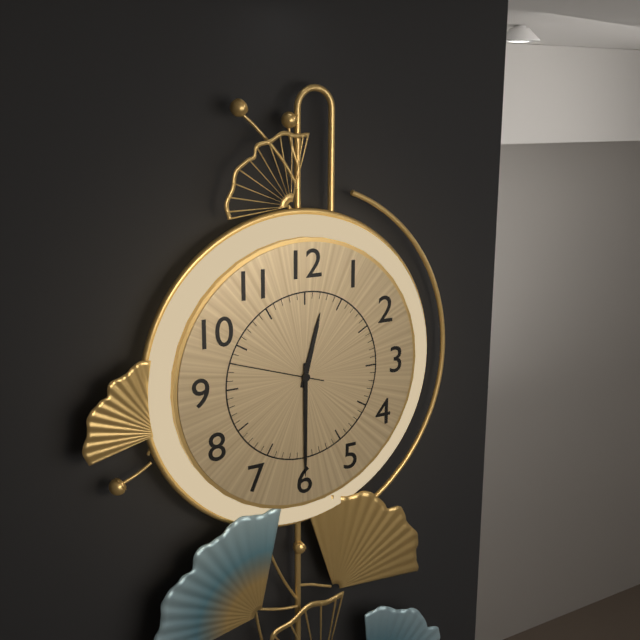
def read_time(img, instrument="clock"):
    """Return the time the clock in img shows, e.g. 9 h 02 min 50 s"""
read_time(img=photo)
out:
12 h 30 min 48 s
